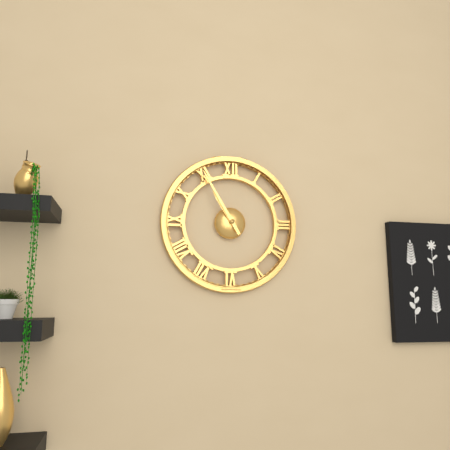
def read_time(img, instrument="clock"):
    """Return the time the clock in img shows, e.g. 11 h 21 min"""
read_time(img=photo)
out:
10 h 55 min
